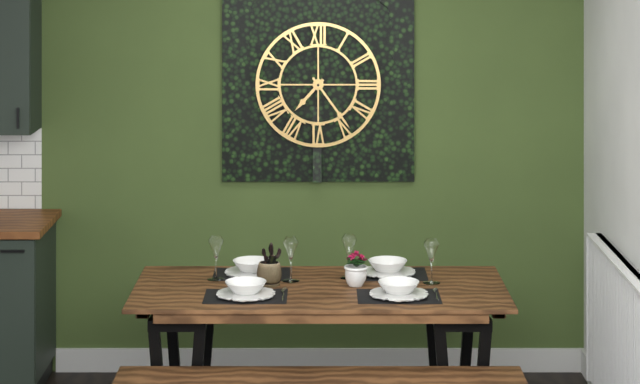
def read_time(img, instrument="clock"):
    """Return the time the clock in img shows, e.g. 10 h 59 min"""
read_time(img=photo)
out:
7 h 24 min
